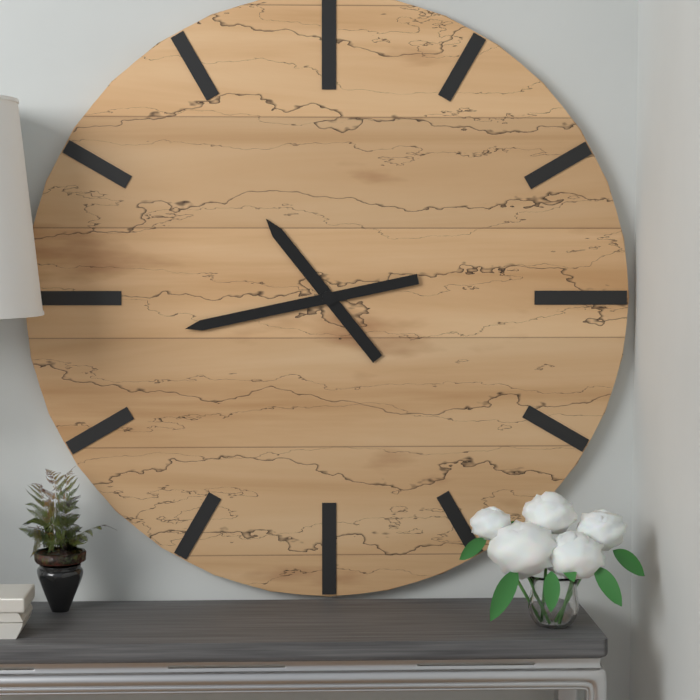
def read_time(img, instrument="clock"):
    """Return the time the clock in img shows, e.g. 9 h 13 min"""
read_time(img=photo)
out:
10 h 43 min
